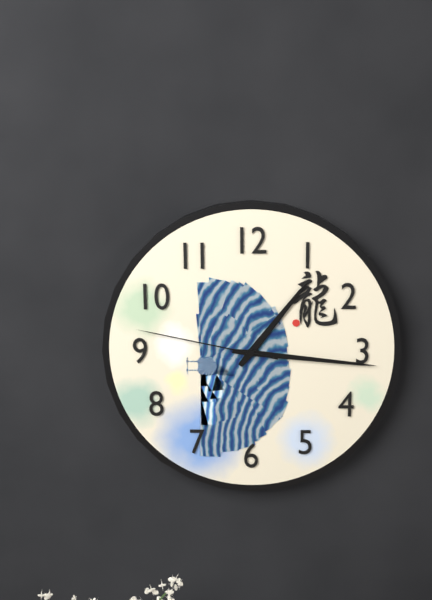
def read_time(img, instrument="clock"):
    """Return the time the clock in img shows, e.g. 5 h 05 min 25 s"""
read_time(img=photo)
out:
1 h 16 min 47 s
